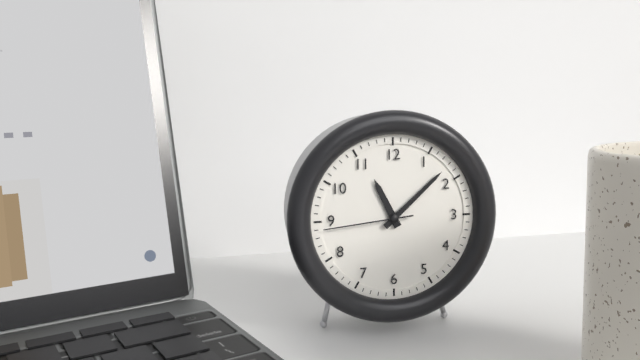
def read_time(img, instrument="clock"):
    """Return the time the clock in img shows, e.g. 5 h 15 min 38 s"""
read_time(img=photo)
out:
11 h 08 min 44 s
